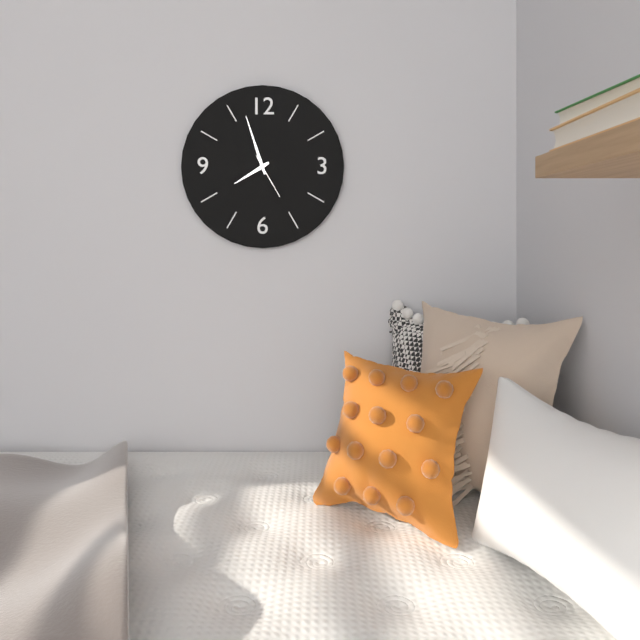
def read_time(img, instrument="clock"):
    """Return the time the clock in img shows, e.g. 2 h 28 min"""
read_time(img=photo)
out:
7 h 57 min
